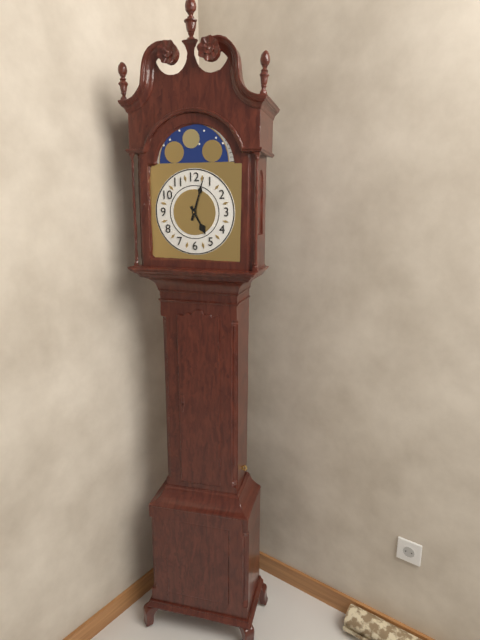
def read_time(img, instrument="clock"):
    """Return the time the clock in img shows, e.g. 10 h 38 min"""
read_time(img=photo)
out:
5 h 03 min
